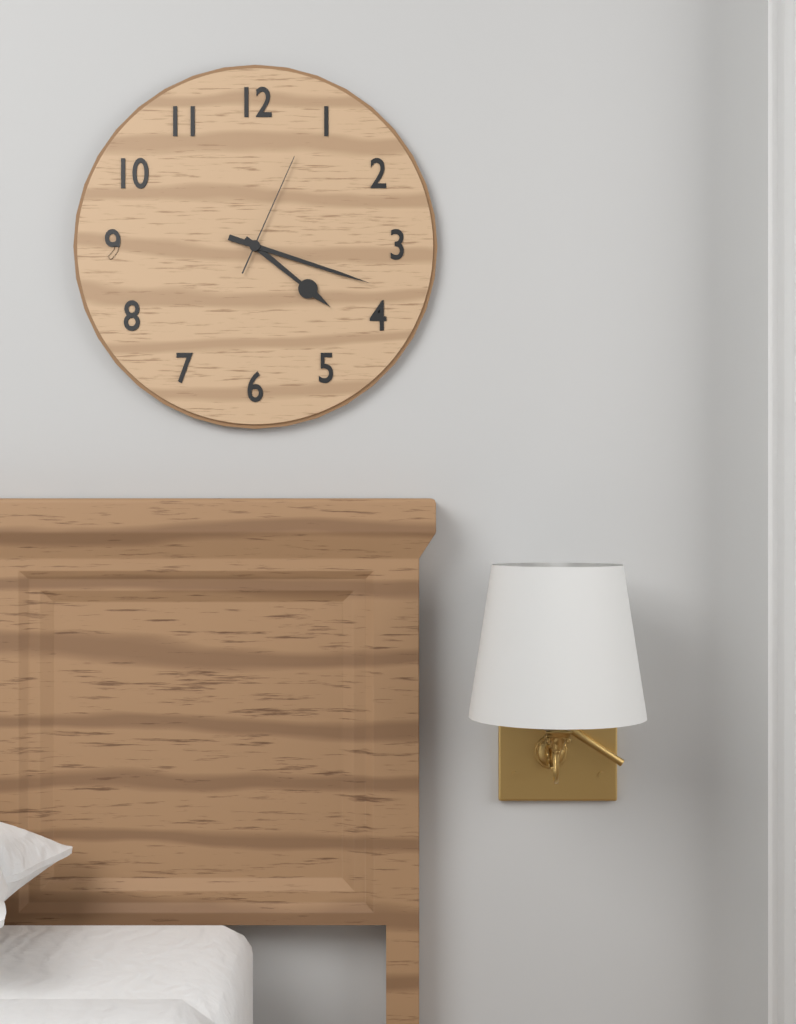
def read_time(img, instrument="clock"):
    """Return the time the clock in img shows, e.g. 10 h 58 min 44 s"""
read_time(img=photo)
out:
4 h 18 min 04 s
